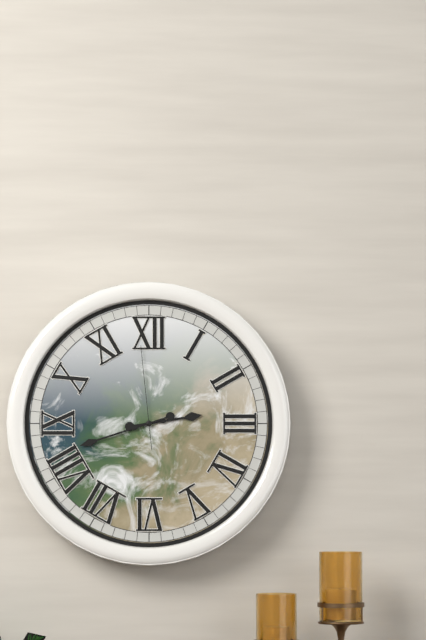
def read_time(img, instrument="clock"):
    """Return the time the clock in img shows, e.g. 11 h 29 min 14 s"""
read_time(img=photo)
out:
2 h 42 min 59 s
